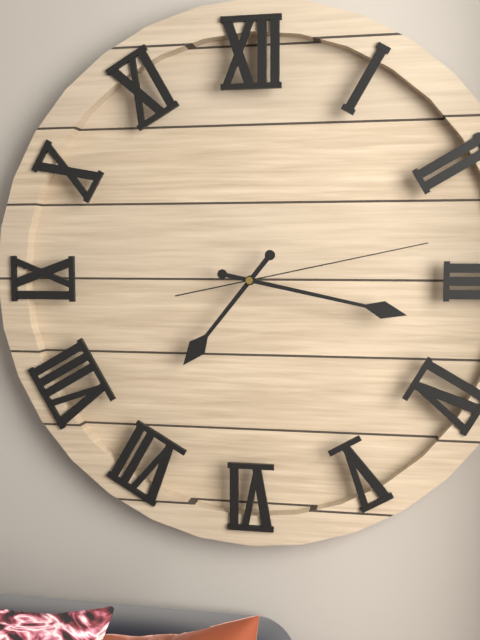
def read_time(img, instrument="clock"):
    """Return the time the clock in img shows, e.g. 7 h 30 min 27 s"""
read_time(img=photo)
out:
7 h 17 min 13 s
